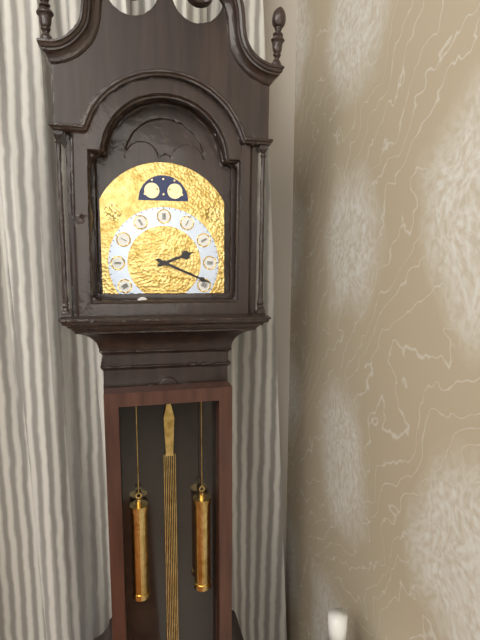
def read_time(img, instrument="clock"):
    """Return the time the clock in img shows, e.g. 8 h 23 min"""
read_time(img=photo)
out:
2 h 19 min
